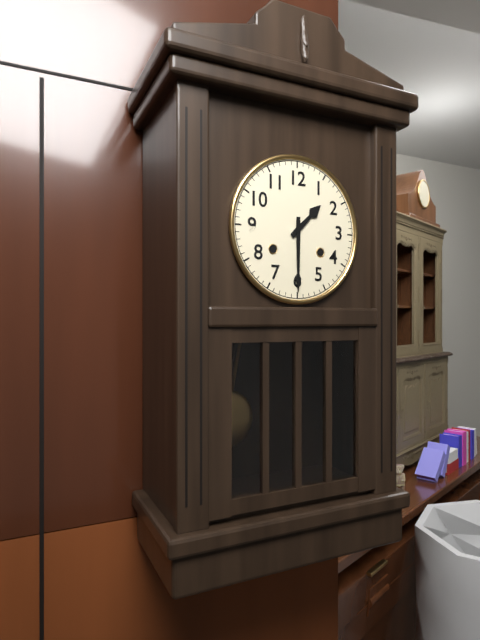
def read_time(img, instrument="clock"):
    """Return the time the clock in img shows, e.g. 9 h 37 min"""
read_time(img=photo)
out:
1 h 30 min
